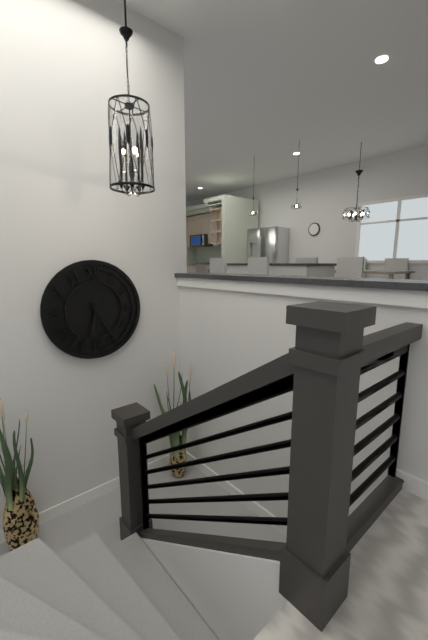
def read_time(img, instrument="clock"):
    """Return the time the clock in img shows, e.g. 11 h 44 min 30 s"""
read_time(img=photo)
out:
6 h 25 min 28 s
